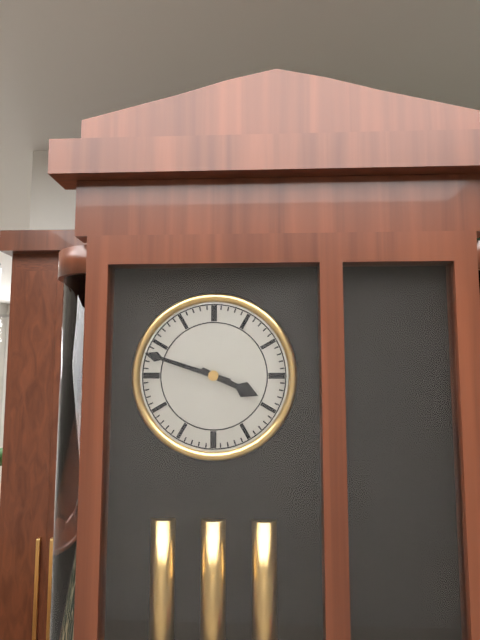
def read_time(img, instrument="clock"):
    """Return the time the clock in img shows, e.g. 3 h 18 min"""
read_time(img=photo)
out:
3 h 48 min
